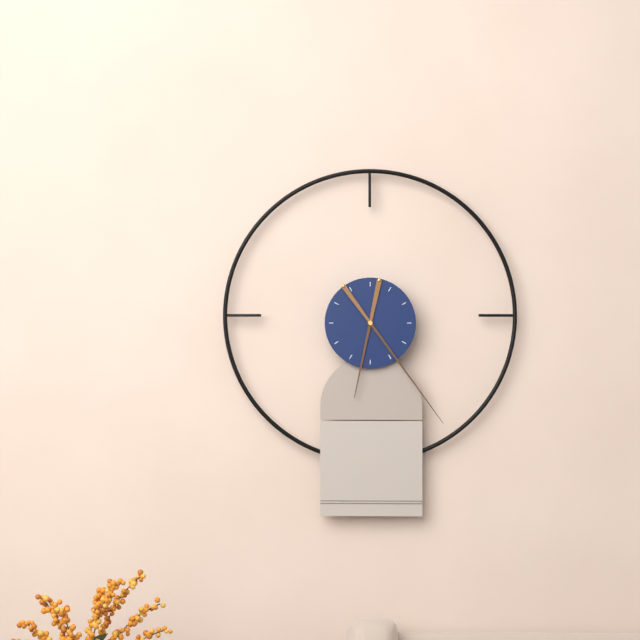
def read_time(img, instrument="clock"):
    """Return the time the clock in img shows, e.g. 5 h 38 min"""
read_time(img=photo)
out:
6 h 24 min
